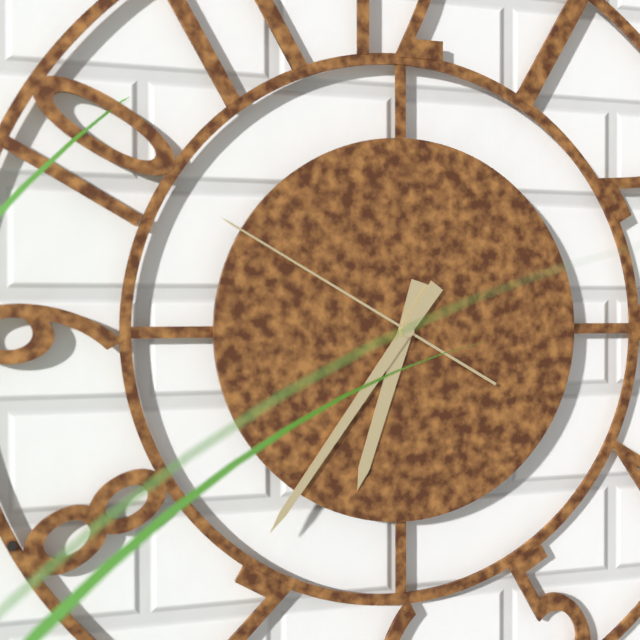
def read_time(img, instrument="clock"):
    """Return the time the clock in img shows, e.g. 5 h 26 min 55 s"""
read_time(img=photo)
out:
6 h 36 min 50 s
